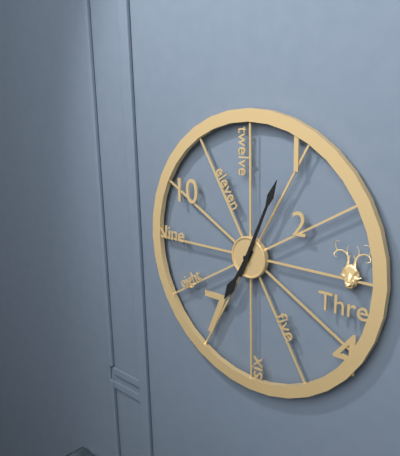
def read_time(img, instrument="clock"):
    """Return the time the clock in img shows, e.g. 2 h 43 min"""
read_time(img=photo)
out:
7 h 04 min
